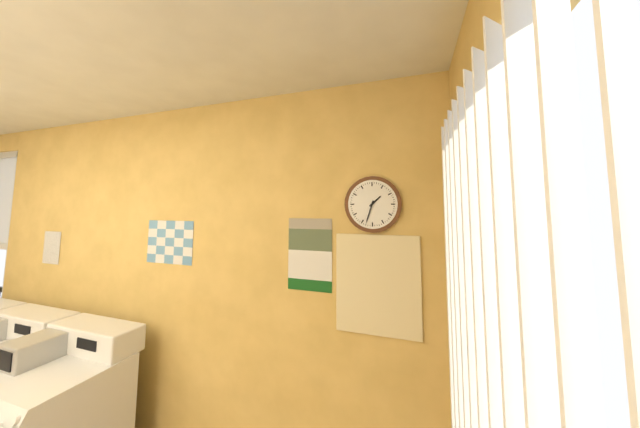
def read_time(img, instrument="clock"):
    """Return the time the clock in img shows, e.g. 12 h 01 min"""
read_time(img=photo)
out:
1 h 33 min
